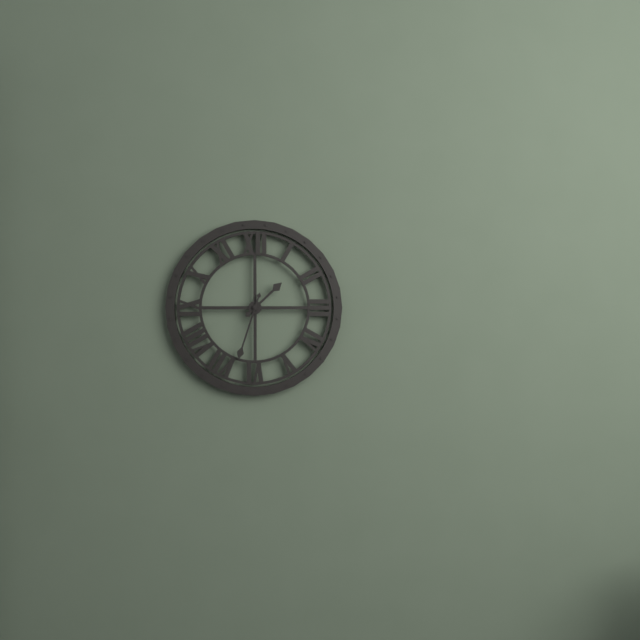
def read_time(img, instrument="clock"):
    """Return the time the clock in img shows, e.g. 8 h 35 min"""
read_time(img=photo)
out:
1 h 33 min
